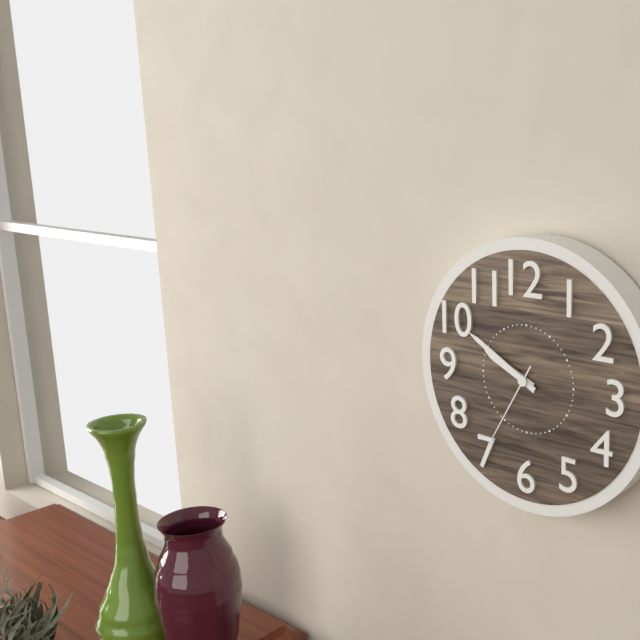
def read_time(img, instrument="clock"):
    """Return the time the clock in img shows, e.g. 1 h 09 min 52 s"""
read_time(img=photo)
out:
9 h 50 min 35 s
